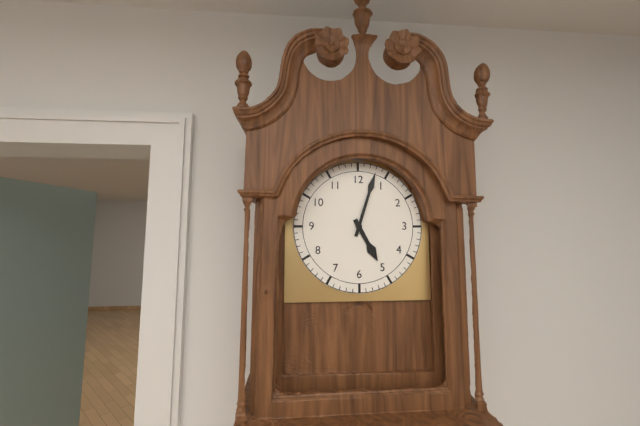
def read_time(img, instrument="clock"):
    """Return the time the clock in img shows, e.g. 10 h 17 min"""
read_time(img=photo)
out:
5 h 03 min
